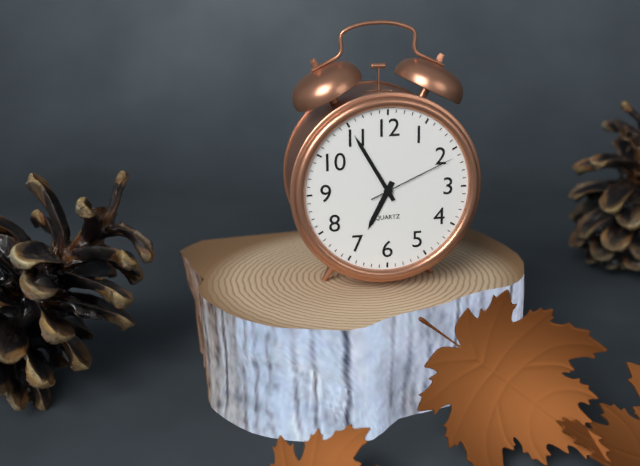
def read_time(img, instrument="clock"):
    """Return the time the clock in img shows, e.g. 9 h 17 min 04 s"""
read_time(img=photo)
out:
6 h 55 min 11 s
